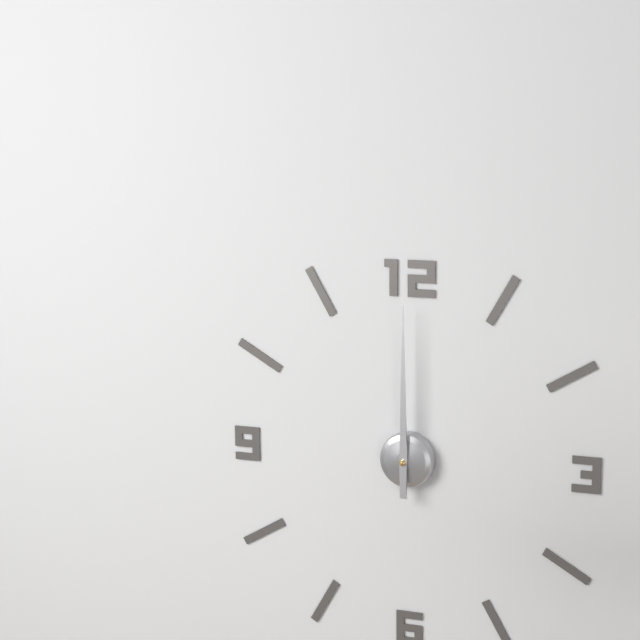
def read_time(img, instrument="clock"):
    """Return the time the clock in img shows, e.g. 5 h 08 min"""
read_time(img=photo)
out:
12 h 00 min
